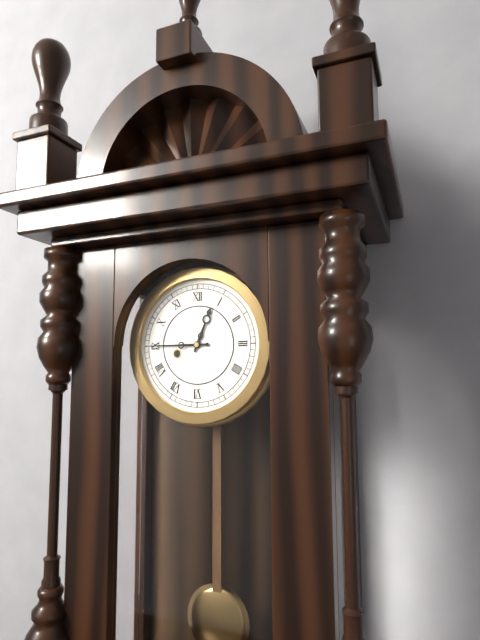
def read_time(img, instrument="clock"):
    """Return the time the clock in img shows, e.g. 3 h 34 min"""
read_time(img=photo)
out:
12 h 45 min
